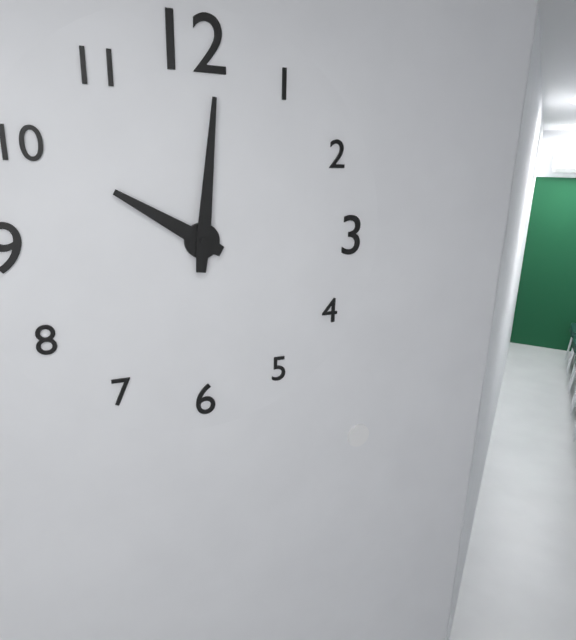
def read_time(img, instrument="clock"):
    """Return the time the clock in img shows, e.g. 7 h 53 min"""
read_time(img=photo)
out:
10 h 01 min
